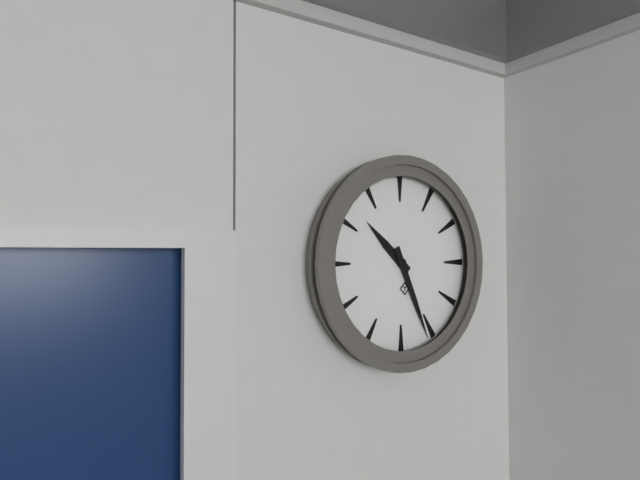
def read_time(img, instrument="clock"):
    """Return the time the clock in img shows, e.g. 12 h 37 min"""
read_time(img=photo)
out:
10 h 26 min
